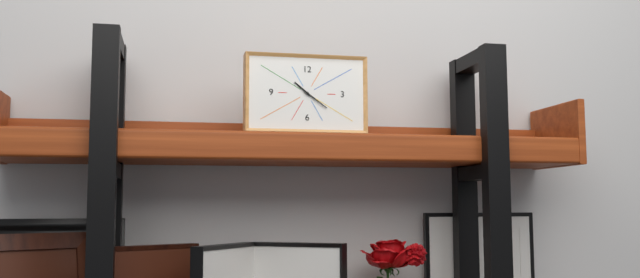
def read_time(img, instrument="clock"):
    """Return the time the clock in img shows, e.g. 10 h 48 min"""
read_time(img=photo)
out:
10 h 21 min
